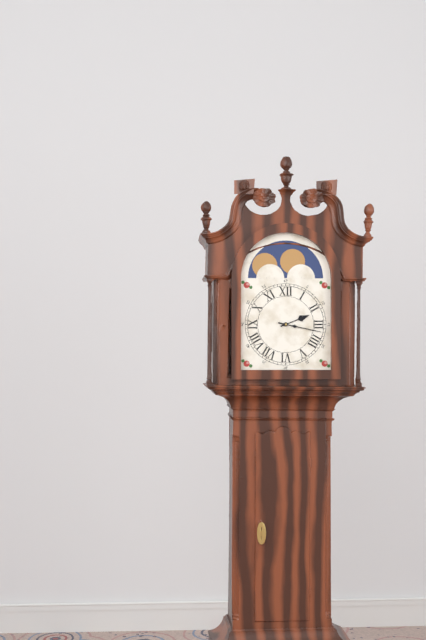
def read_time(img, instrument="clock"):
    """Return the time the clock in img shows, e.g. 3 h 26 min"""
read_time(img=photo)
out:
2 h 17 min
